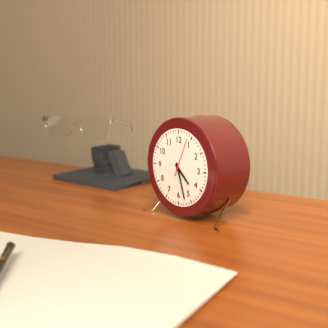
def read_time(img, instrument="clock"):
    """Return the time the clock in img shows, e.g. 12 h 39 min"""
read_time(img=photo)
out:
4 h 27 min
